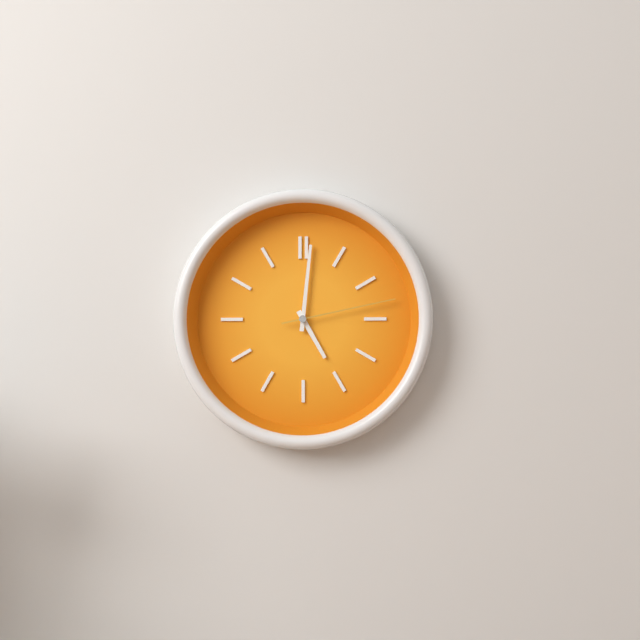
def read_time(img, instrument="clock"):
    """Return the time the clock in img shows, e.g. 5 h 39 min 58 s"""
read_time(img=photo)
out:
5 h 01 min 13 s
